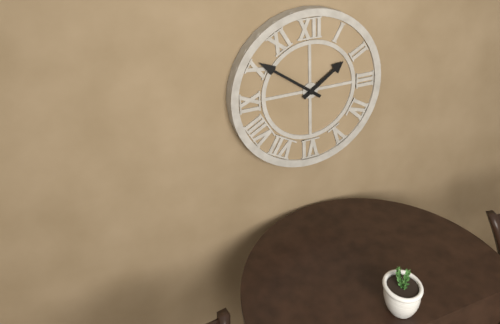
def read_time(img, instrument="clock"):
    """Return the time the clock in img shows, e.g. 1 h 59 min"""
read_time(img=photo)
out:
1 h 51 min
